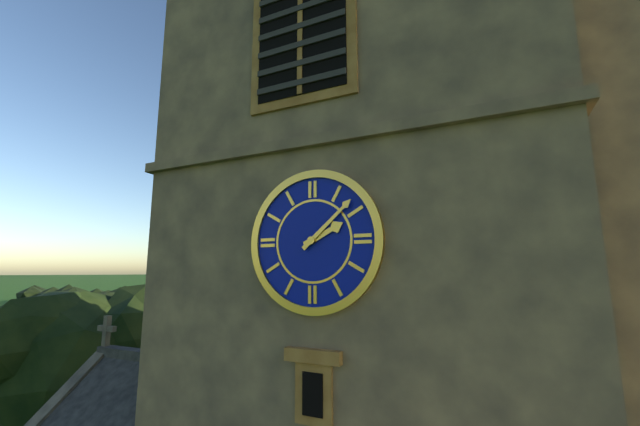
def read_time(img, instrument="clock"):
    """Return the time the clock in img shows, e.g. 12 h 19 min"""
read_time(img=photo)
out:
2 h 08 min
